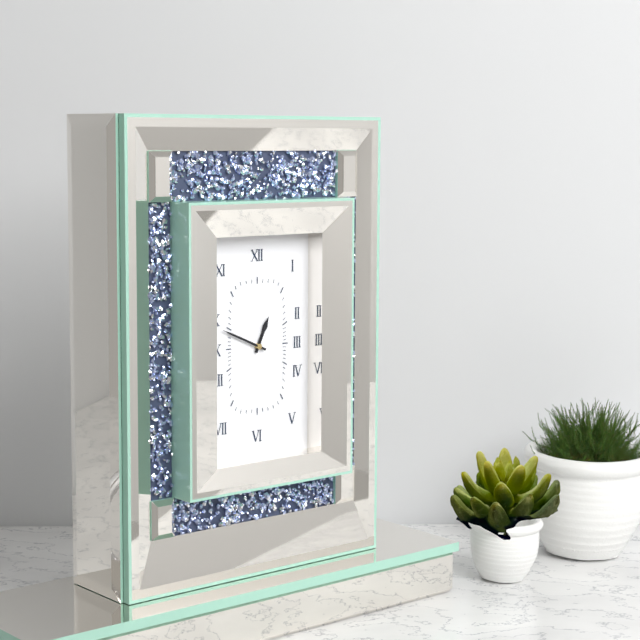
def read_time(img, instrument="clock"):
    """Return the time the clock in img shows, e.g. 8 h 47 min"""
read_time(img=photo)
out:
12 h 49 min
